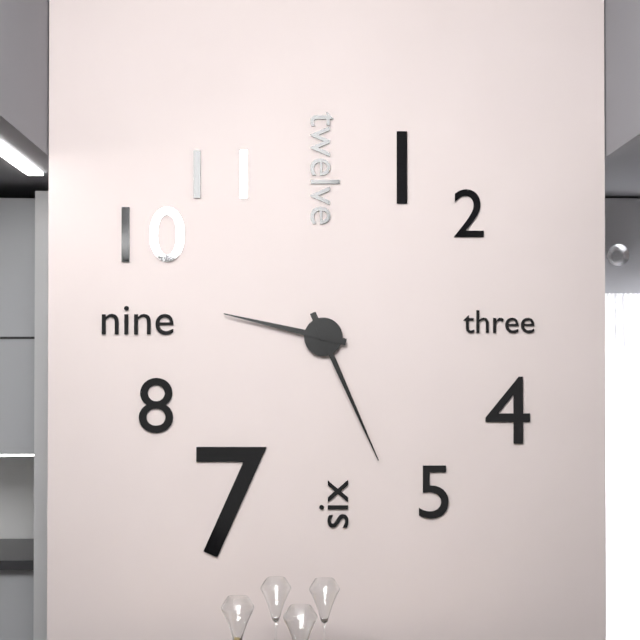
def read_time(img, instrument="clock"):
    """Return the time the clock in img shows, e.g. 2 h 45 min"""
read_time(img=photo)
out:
9 h 26 min
